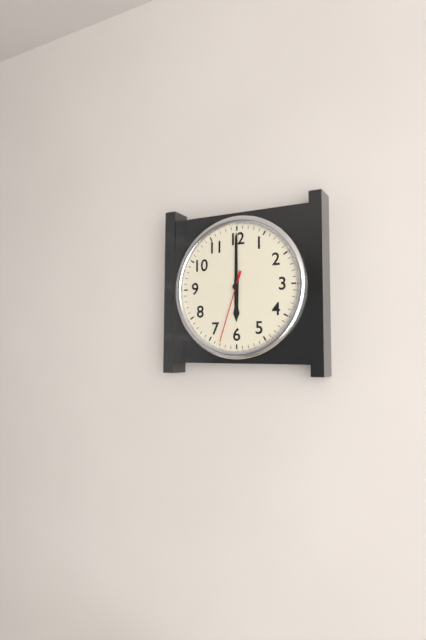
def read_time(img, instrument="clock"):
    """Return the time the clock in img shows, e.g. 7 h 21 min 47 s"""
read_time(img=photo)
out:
6 h 00 min 33 s
